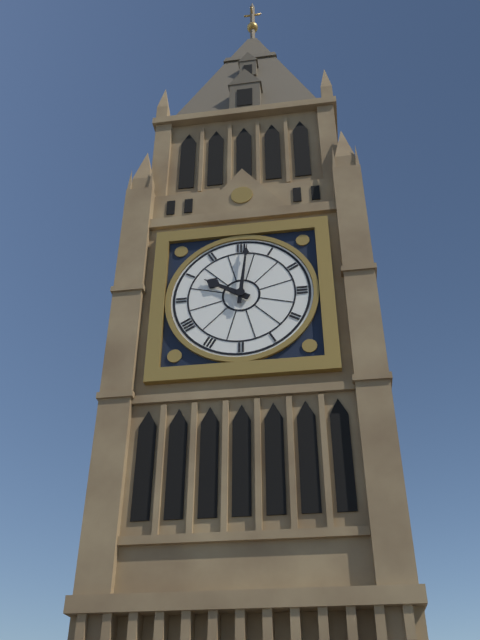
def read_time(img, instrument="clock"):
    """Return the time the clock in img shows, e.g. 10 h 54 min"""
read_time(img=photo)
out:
10 h 01 min
